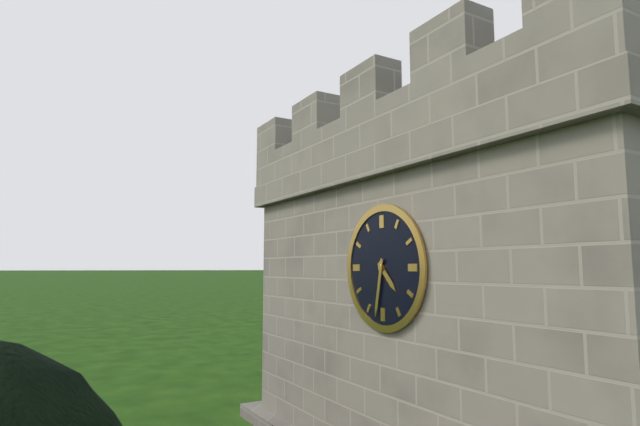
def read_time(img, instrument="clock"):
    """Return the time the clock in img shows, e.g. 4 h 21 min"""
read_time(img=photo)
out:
4 h 32 min
